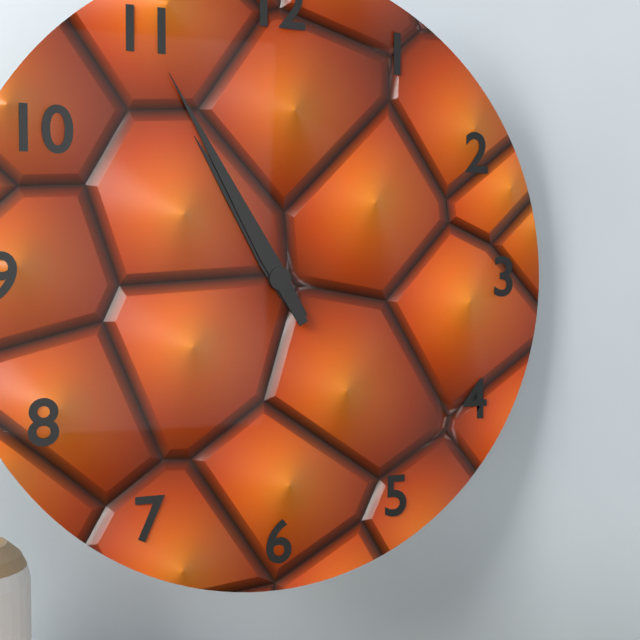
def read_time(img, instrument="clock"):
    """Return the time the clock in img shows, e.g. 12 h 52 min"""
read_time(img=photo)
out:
10 h 55 min
